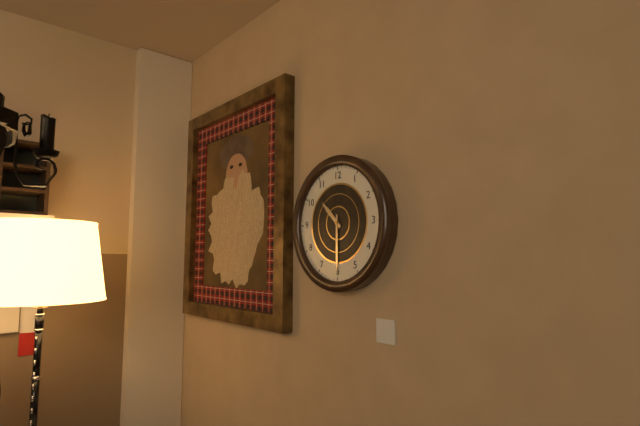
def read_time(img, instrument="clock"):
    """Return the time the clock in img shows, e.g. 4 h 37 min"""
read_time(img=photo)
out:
10 h 30 min
